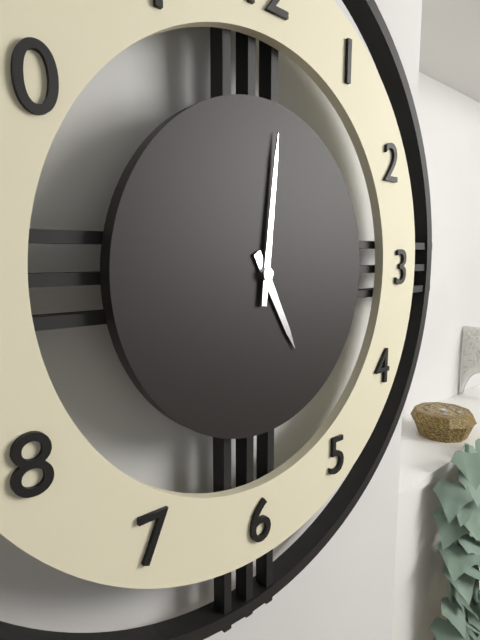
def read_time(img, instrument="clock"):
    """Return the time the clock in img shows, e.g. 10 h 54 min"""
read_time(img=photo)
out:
5 h 01 min
